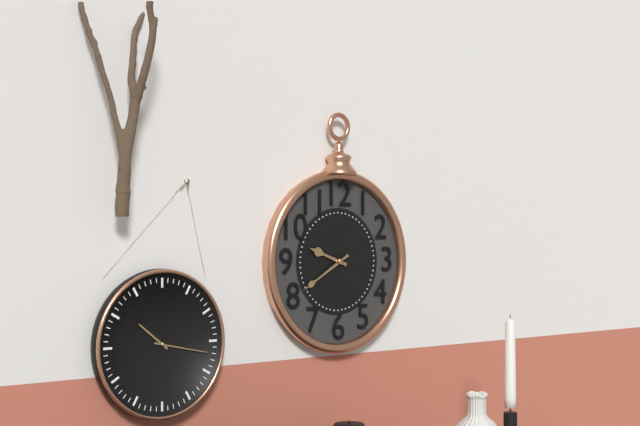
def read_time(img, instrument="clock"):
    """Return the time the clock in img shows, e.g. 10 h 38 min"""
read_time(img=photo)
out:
9 h 40 min
